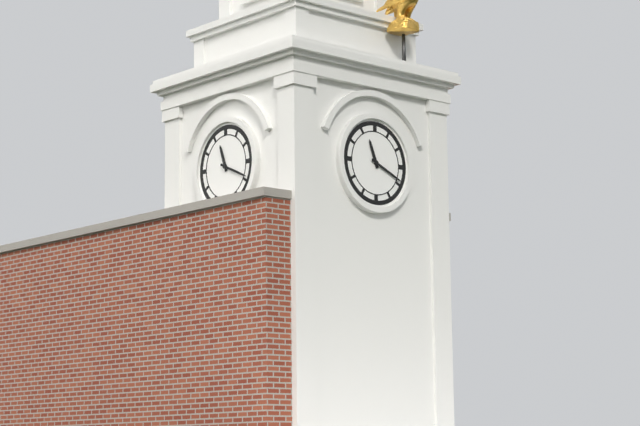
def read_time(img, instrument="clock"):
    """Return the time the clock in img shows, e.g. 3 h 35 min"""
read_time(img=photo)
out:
11 h 19 min
